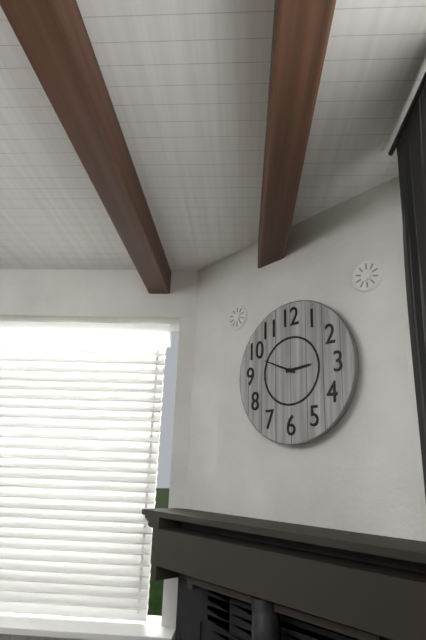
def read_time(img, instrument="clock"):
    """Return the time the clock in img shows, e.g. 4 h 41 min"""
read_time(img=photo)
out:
2 h 49 min
